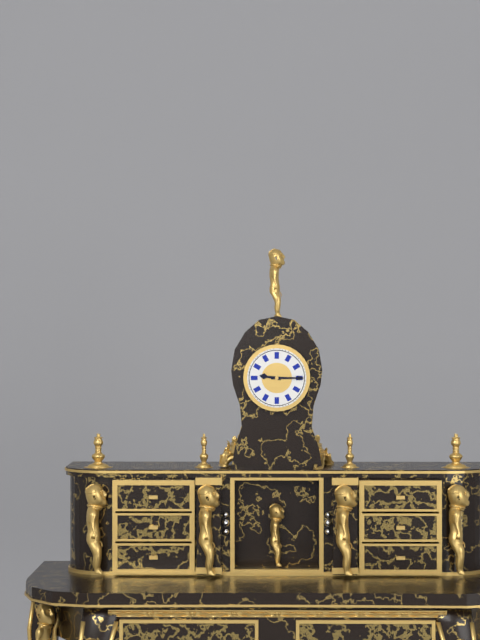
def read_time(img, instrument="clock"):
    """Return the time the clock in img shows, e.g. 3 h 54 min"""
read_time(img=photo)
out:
9 h 15 min
